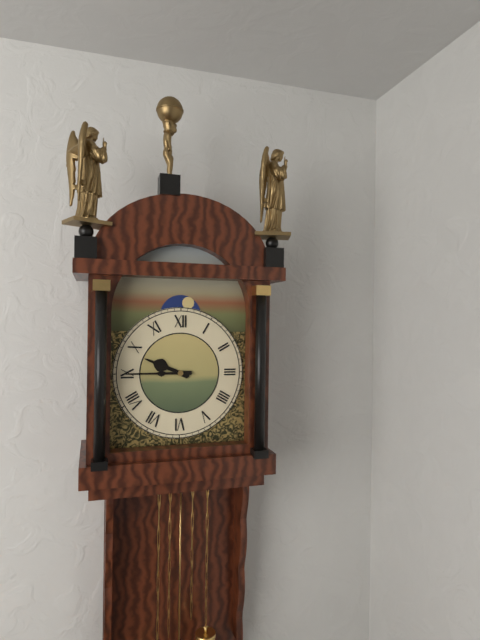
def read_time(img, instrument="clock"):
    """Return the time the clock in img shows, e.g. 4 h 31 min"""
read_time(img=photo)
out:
9 h 45 min
